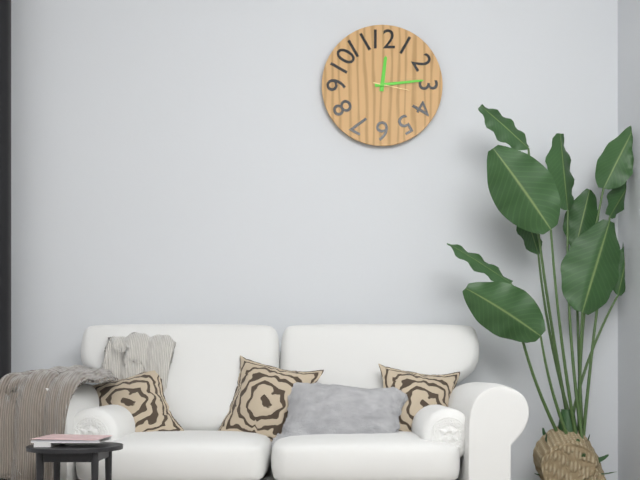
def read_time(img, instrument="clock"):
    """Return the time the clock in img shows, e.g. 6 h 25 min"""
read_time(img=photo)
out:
12 h 14 min
